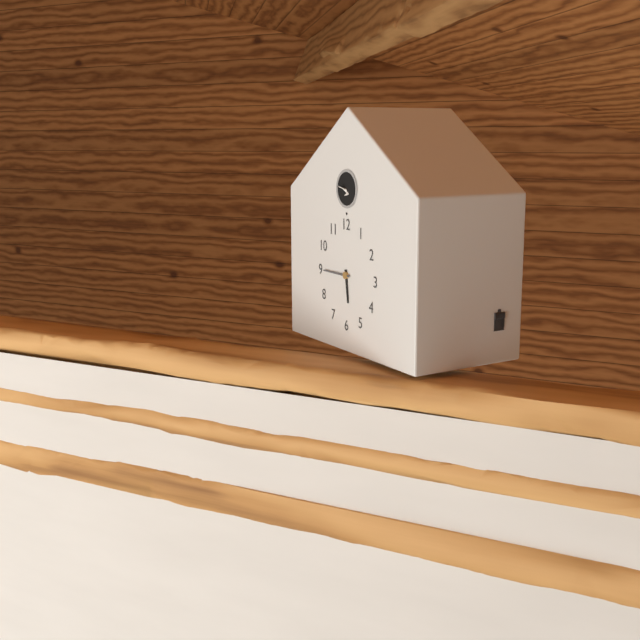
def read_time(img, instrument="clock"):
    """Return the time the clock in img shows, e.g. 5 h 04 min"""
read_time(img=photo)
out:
5 h 45 min
